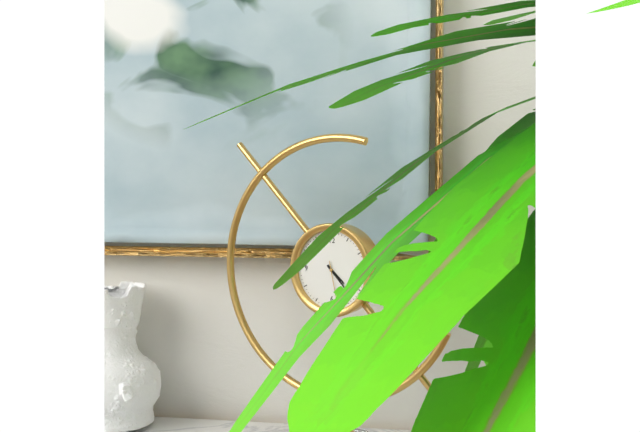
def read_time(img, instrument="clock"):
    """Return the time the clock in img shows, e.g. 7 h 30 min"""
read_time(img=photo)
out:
4 h 23 min
